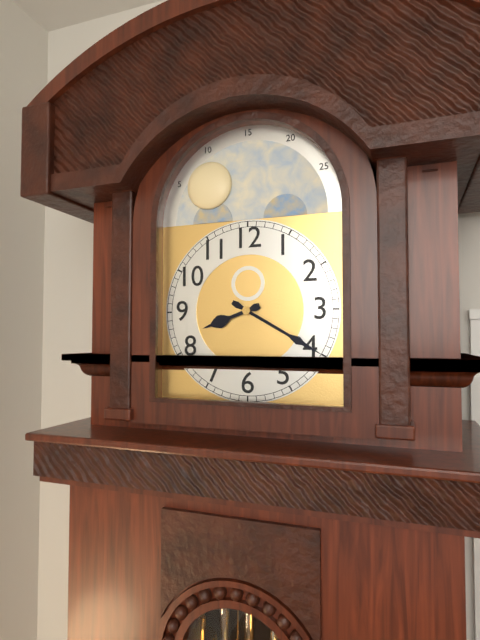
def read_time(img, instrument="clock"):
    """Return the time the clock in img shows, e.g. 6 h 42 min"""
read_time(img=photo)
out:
8 h 20 min
